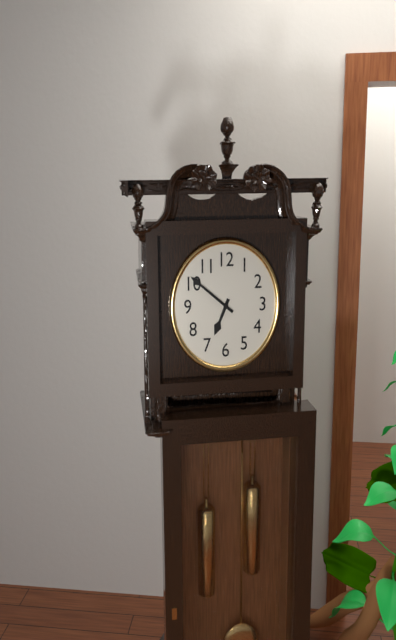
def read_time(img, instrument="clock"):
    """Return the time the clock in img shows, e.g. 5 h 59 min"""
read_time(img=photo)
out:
6 h 51 min
